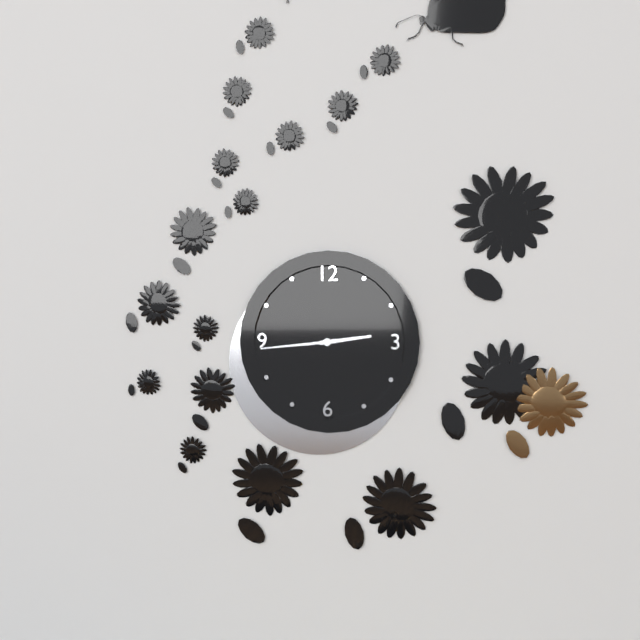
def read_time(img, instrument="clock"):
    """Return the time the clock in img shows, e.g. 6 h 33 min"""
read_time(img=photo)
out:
2 h 44 min
